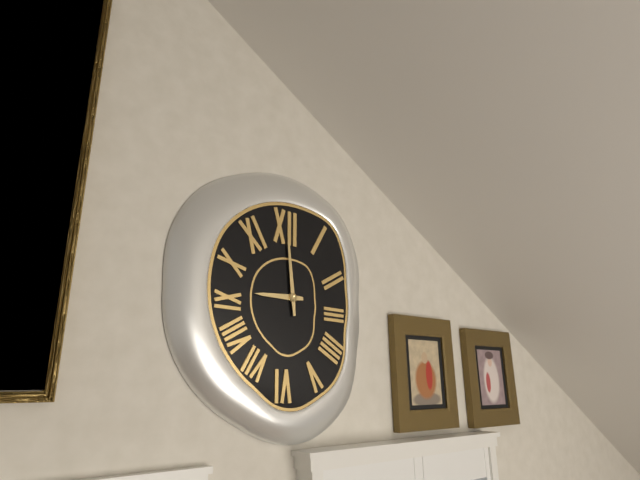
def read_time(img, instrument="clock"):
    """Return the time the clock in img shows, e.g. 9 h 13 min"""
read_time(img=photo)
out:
8 h 59 min
